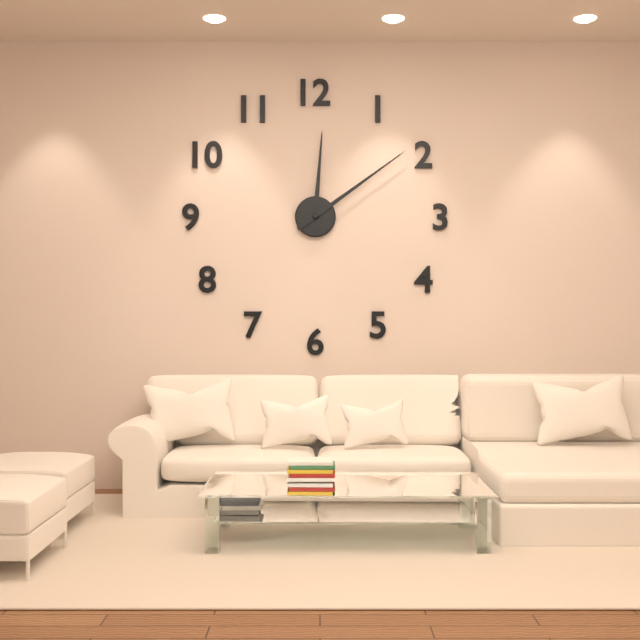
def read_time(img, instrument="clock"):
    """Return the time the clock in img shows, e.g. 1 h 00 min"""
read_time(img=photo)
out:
12 h 09 min
